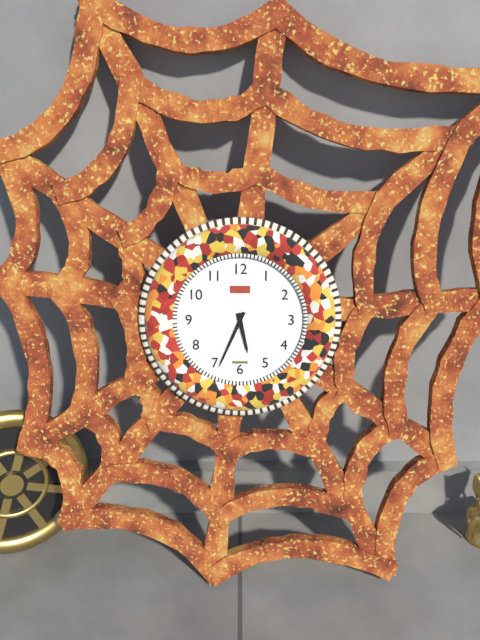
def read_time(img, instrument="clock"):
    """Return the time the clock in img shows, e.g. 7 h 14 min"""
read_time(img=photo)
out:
5 h 34 min
